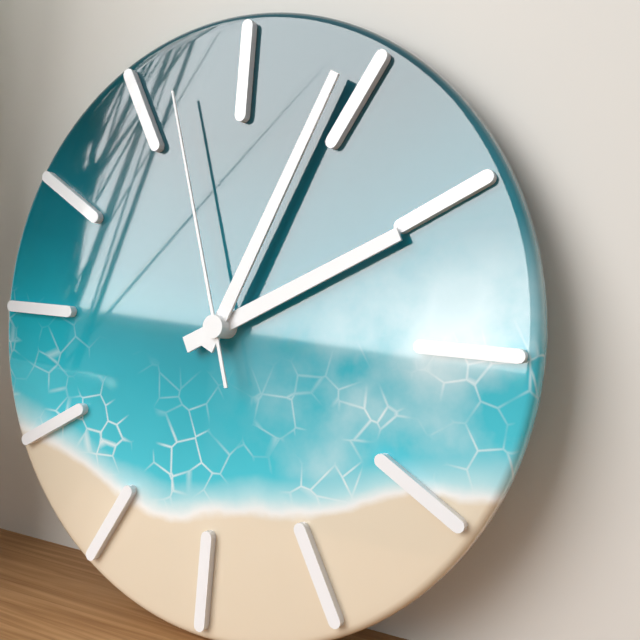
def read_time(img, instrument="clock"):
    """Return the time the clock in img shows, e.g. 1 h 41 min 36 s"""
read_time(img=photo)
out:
2 h 04 min 57 s
